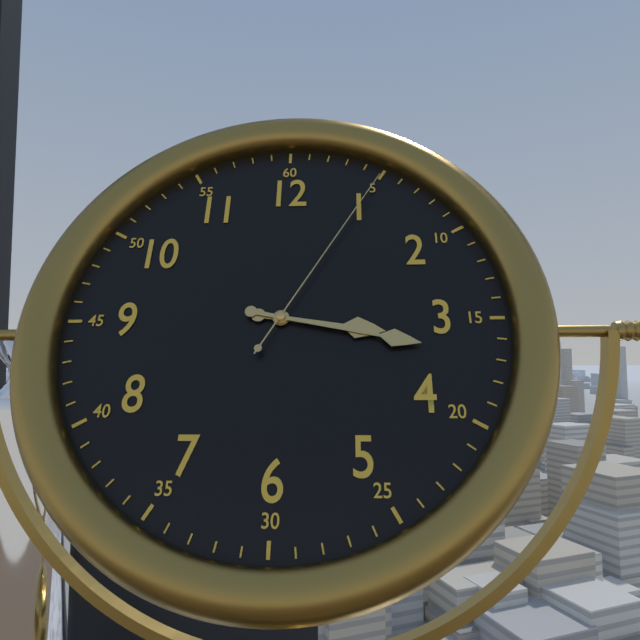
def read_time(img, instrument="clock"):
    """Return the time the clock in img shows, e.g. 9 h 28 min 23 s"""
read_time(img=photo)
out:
3 h 17 min 05 s
